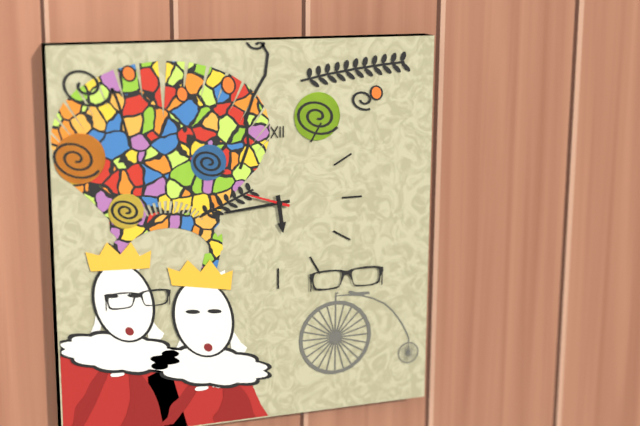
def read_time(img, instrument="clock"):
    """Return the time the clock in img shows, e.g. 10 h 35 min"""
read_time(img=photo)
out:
5 h 44 min
